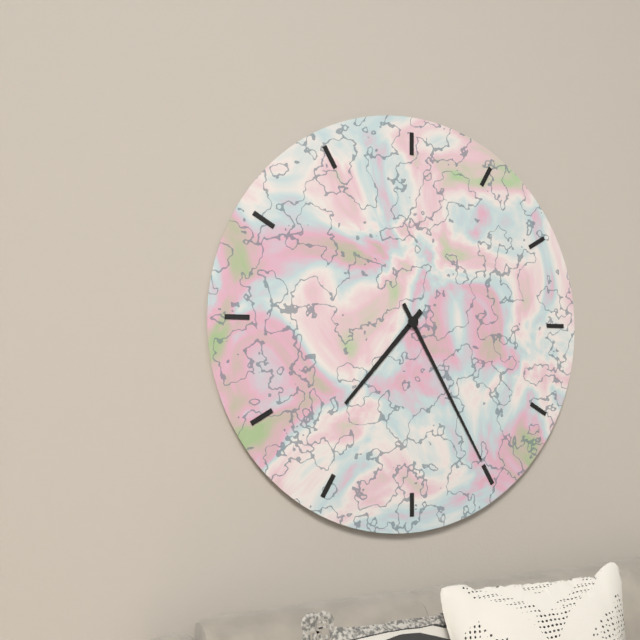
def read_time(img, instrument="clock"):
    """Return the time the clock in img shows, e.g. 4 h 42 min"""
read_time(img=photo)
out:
7 h 25 min
